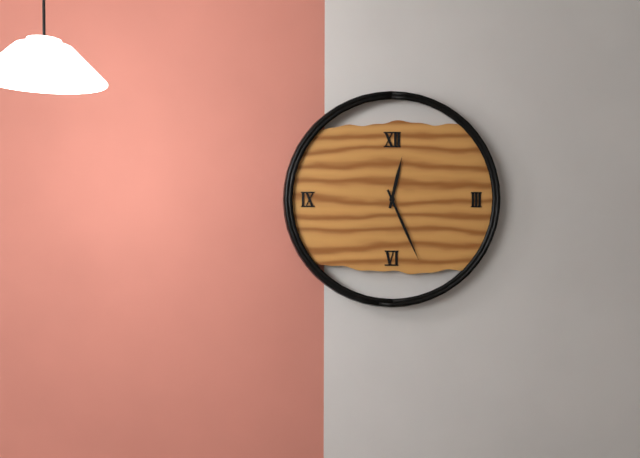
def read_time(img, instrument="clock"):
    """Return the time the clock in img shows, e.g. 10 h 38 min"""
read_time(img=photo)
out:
12 h 26 min
